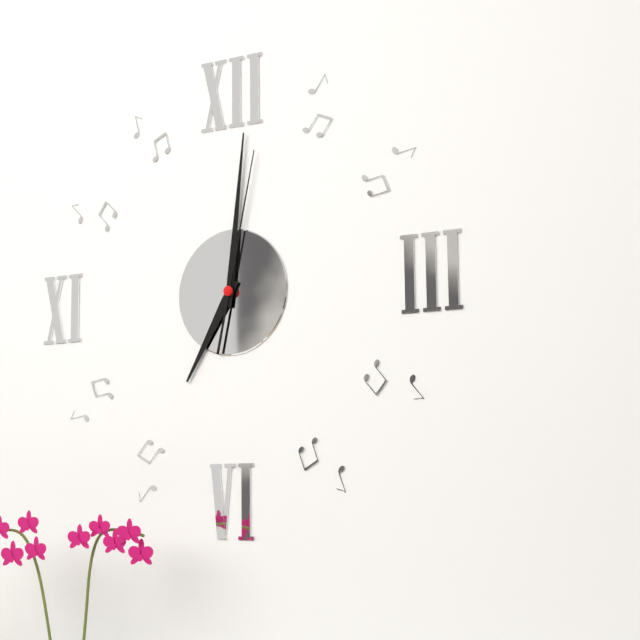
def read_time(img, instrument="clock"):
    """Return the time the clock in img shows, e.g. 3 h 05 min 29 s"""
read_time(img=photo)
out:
7 h 01 min 02 s
